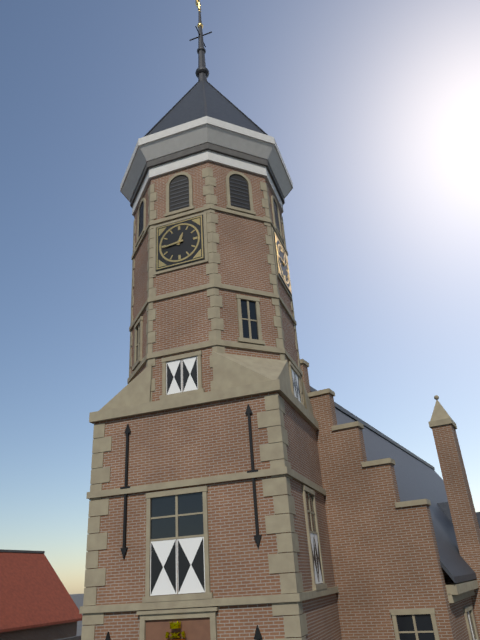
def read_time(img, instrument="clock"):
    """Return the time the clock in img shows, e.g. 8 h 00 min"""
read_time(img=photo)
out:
12 h 44 min
